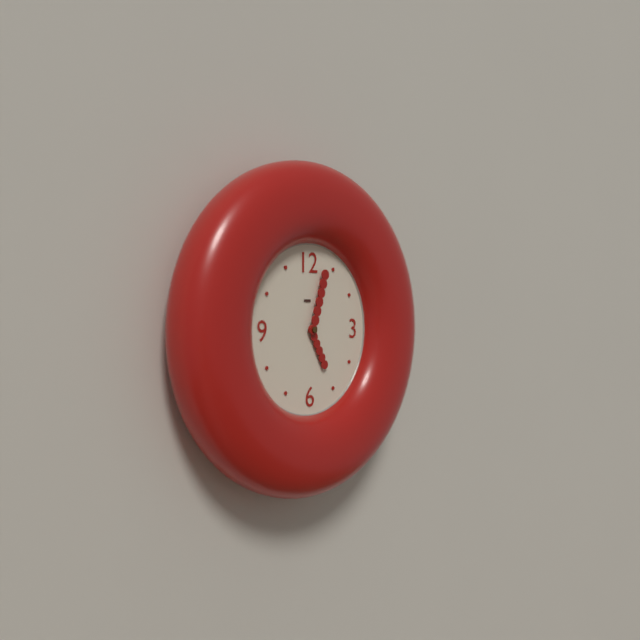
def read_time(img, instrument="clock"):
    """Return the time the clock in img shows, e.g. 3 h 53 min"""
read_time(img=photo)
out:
5 h 03 min
